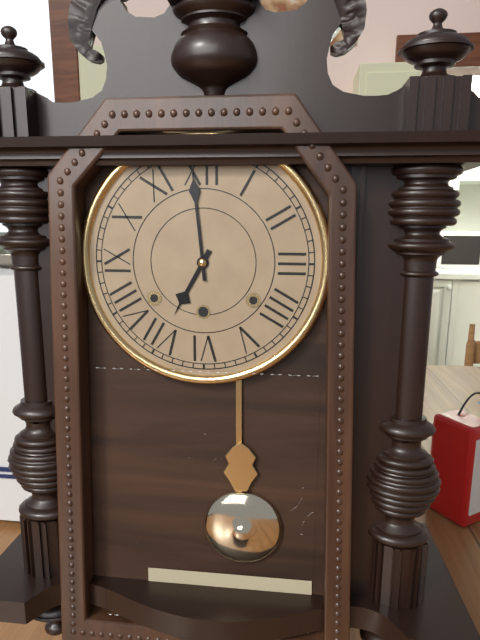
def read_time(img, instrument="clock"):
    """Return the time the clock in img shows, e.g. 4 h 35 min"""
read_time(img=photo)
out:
6 h 59 min
